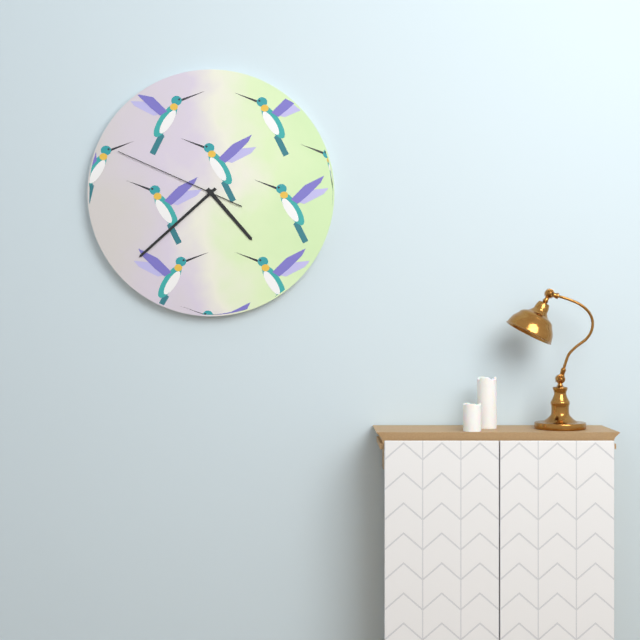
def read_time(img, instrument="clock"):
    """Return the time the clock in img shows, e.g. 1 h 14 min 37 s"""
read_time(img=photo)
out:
4 h 38 min 49 s
